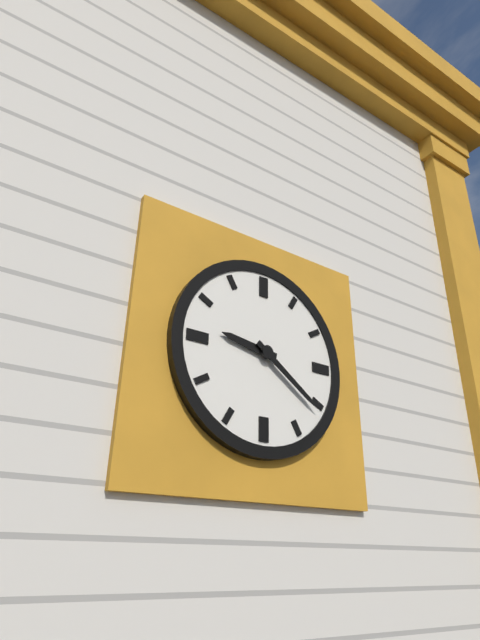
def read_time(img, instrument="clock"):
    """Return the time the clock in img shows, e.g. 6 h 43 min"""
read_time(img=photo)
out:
9 h 21 min
